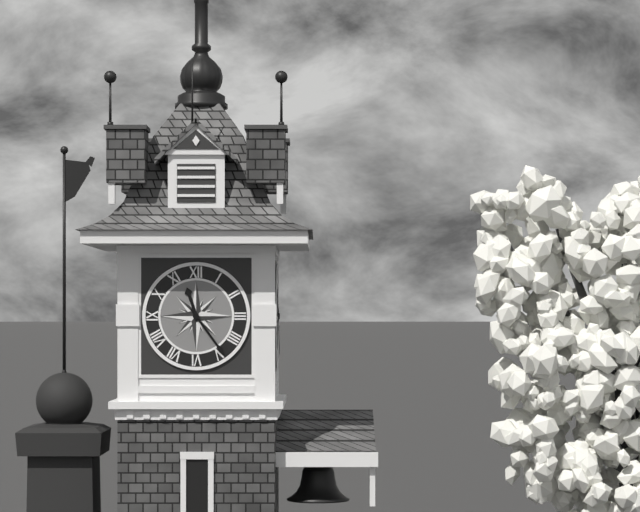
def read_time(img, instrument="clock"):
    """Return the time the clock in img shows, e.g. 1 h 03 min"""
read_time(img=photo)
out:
11 h 24 min
